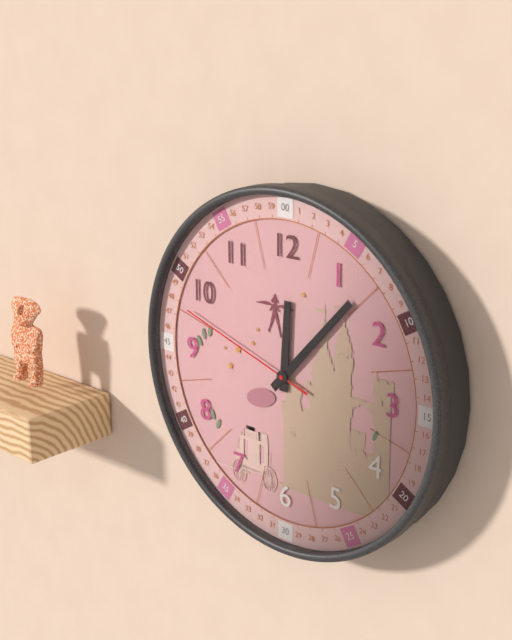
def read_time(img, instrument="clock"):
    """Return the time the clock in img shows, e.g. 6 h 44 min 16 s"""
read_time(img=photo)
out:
12 h 07 min 48 s
